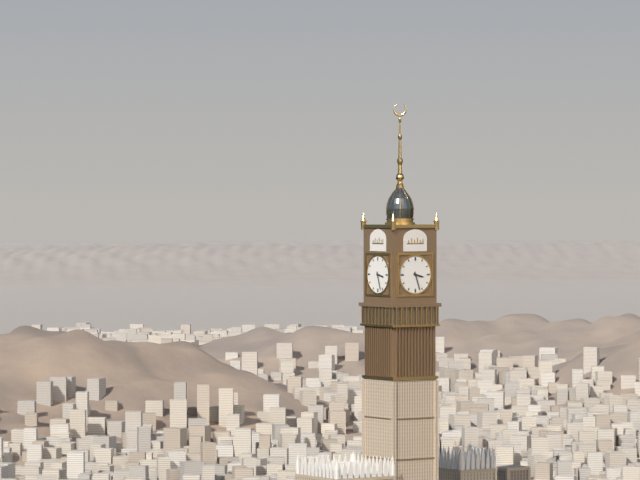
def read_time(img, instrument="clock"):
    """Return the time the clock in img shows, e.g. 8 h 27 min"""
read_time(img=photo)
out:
3 h 27 min
